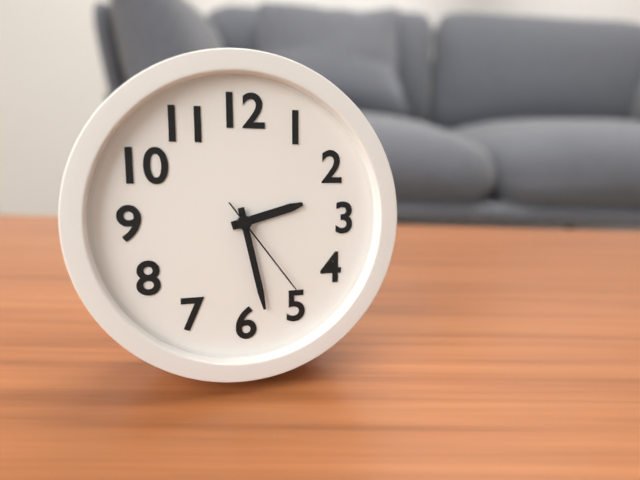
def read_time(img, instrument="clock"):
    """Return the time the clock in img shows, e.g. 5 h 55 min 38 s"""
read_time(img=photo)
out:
2 h 28 min 24 s
